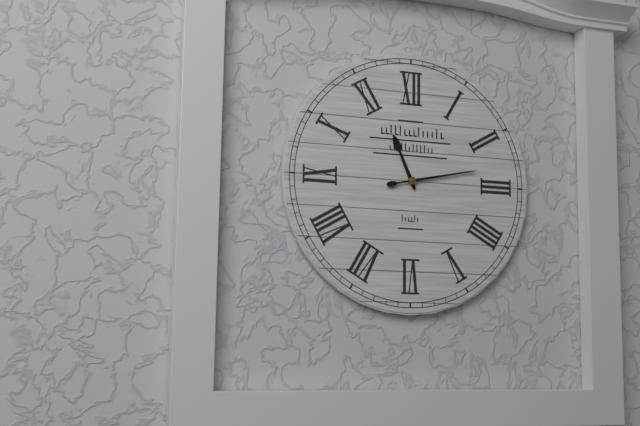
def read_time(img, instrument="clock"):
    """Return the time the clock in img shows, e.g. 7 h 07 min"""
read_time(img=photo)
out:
11 h 13 min
